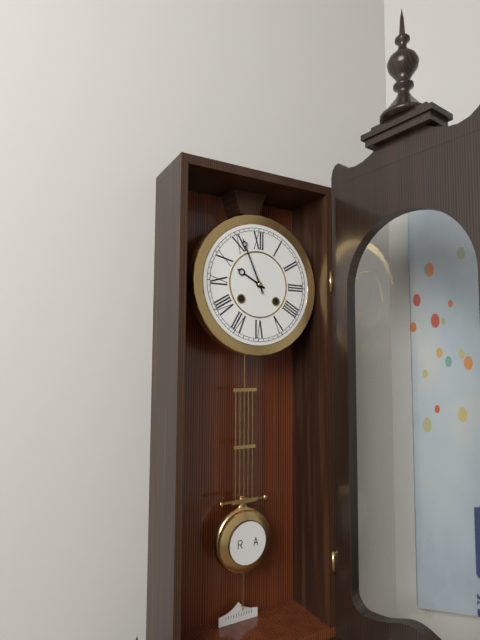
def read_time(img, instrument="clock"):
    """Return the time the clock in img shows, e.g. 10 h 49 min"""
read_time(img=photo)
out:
9 h 56 min
